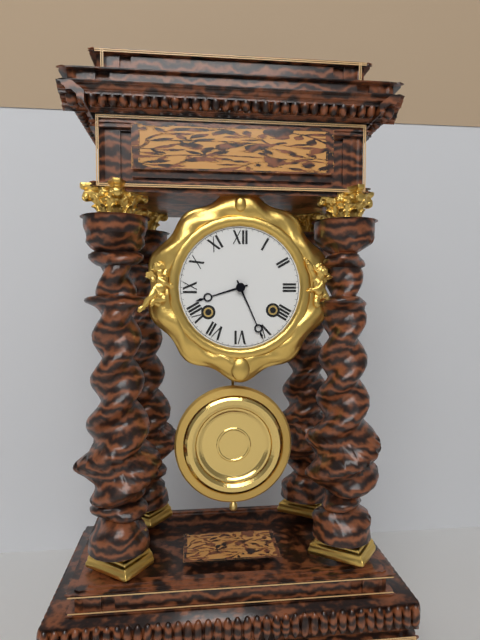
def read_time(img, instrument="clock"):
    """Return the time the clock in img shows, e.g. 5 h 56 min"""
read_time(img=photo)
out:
8 h 26 min
